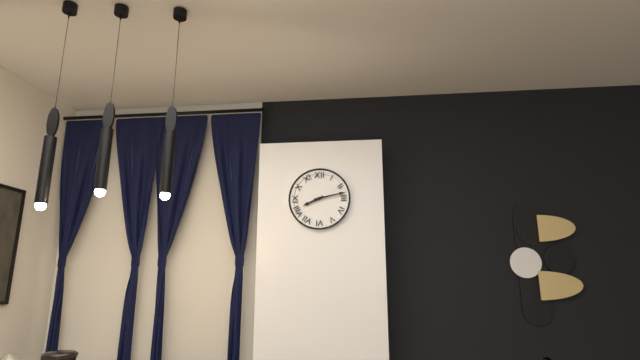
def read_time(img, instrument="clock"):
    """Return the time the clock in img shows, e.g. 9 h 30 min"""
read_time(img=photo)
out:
8 h 13 min
